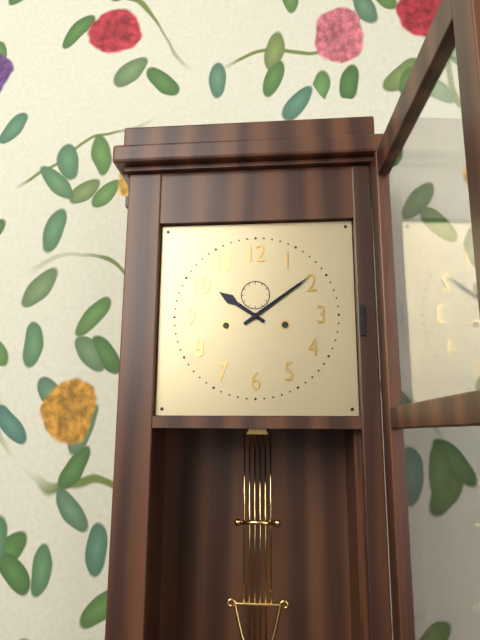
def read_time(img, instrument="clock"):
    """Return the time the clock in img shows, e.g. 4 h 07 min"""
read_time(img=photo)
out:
10 h 09 min
